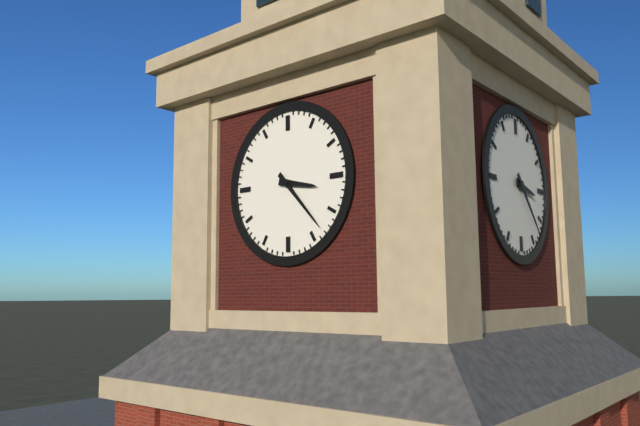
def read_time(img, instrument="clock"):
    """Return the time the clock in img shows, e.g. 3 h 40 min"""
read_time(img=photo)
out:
3 h 23 min
